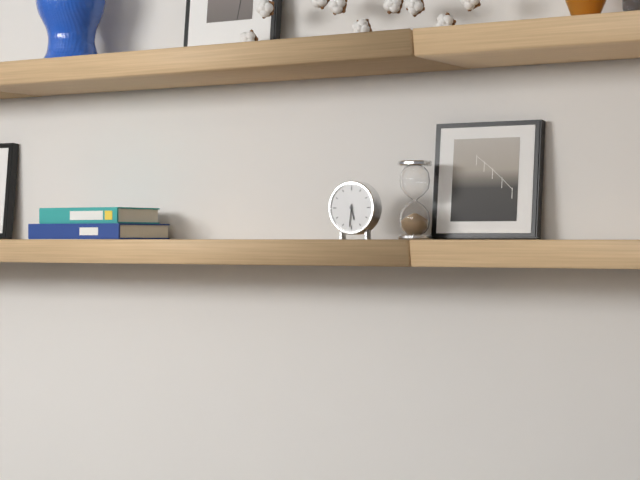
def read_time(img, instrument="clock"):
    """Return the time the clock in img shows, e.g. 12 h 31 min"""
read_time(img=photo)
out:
5 h 31 min
